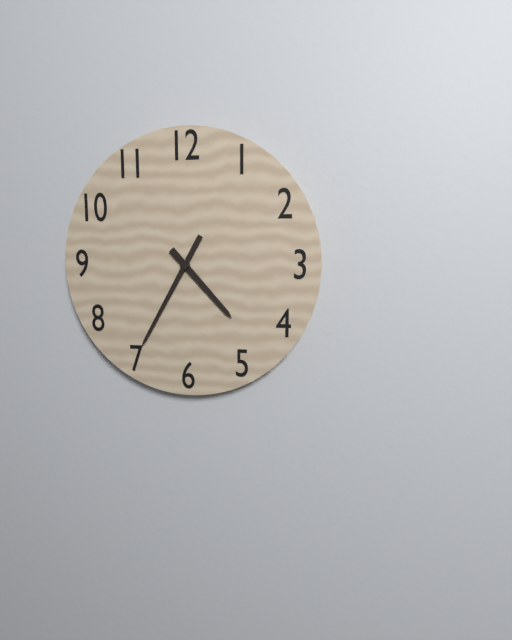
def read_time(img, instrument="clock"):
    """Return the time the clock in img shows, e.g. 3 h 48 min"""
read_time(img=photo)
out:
4 h 35 min
